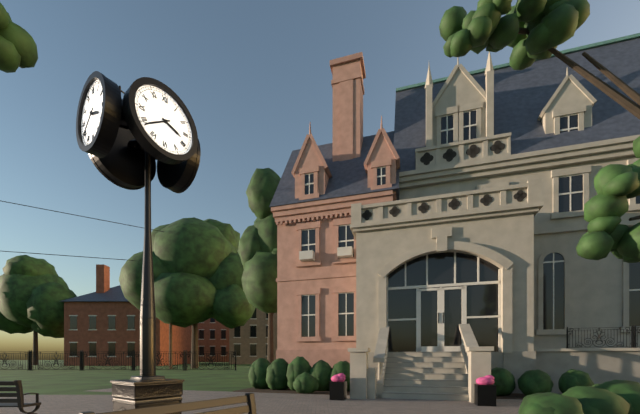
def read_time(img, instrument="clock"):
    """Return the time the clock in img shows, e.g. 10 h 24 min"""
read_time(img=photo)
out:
3 h 39 min
